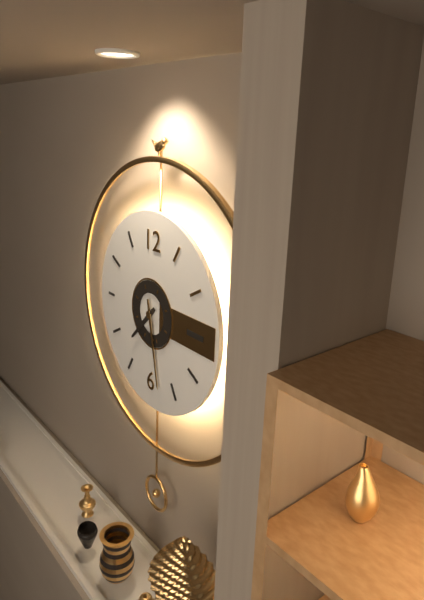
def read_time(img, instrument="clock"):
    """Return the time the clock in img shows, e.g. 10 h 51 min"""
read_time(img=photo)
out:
7 h 28 min
